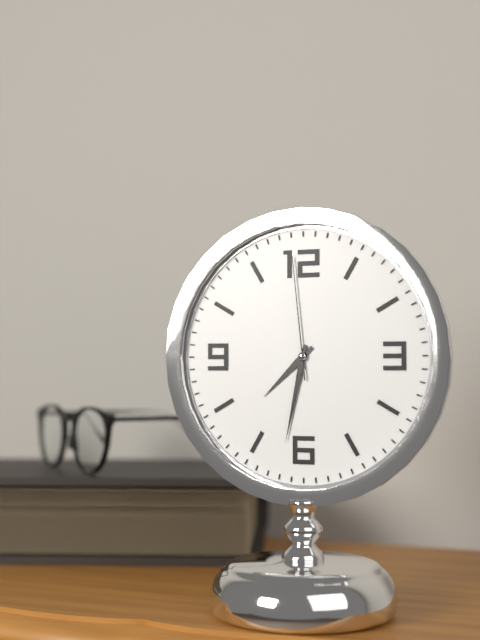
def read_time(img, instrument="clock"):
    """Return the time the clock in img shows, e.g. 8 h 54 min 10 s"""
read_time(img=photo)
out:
7 h 32 min 59 s
